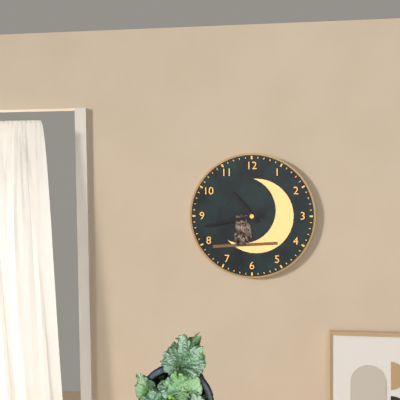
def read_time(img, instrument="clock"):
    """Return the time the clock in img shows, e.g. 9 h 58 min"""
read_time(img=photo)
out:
10 h 43 min
